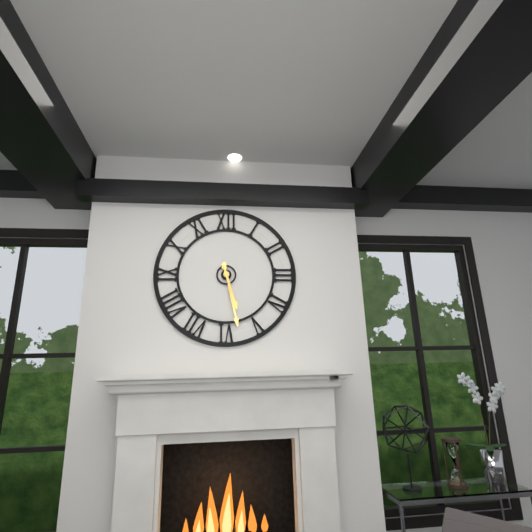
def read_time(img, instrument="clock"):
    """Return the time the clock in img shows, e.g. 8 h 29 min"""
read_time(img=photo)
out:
5 h 28 min
